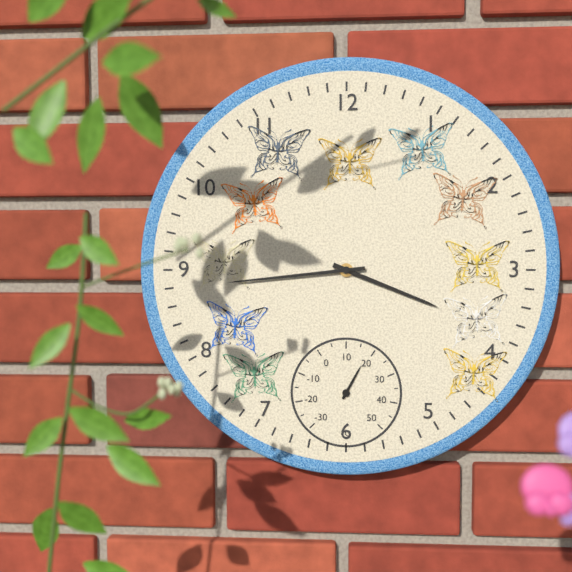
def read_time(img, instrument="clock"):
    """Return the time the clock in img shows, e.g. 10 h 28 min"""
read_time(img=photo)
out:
3 h 44 min
